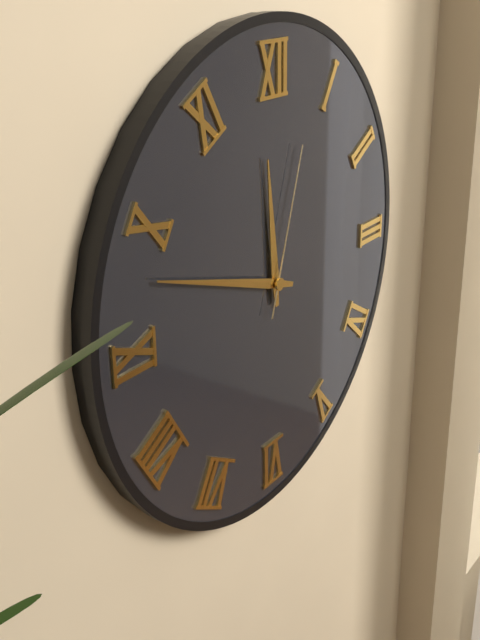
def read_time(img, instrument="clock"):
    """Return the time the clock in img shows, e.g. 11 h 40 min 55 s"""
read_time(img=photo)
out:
11 h 48 min 03 s
